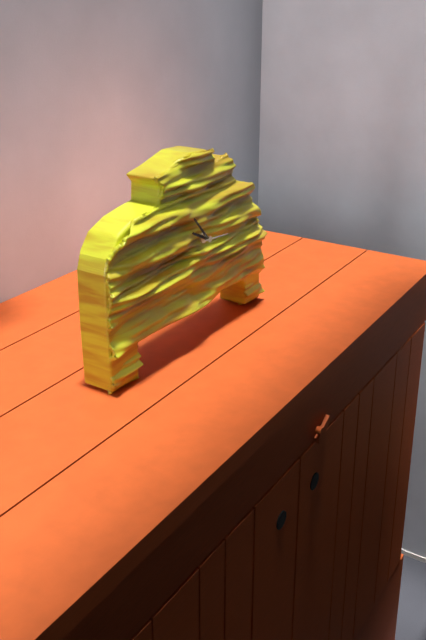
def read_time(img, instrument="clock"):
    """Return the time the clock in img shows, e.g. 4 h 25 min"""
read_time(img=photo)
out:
9 h 53 min
